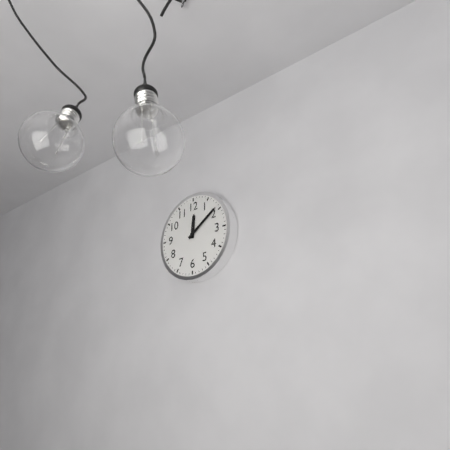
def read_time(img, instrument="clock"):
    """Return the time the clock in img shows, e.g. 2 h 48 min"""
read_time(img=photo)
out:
12 h 09 min
